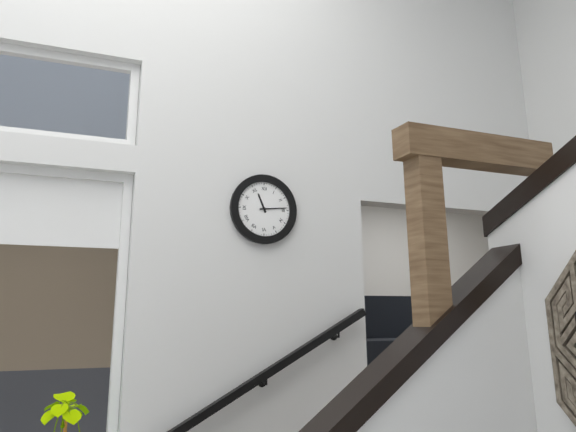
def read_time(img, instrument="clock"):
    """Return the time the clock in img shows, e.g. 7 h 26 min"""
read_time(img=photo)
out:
11 h 14 min
